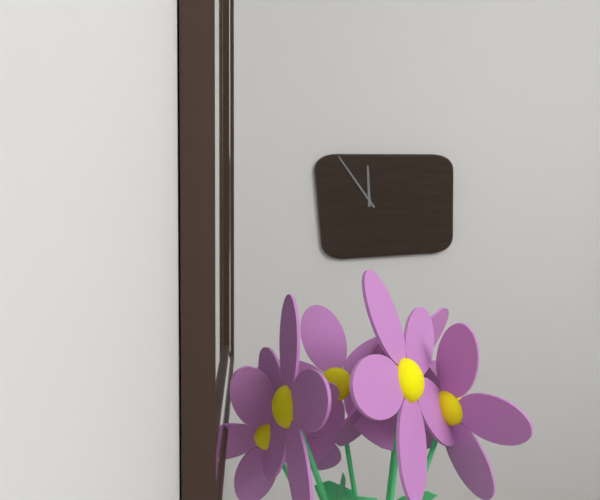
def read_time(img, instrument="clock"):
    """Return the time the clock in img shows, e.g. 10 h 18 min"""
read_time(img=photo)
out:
11 h 54 min
